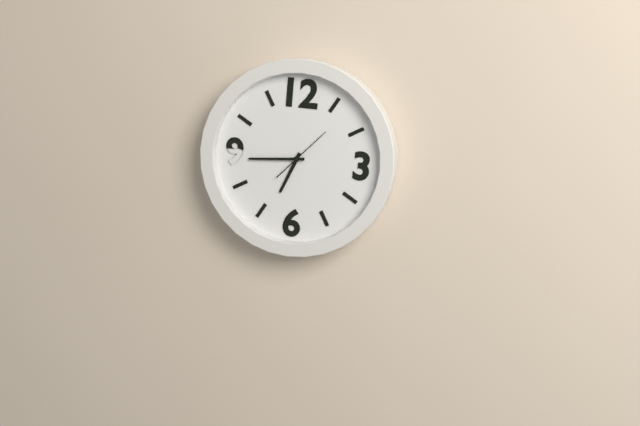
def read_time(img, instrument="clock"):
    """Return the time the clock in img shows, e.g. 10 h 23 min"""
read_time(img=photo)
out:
6 h 44 min
